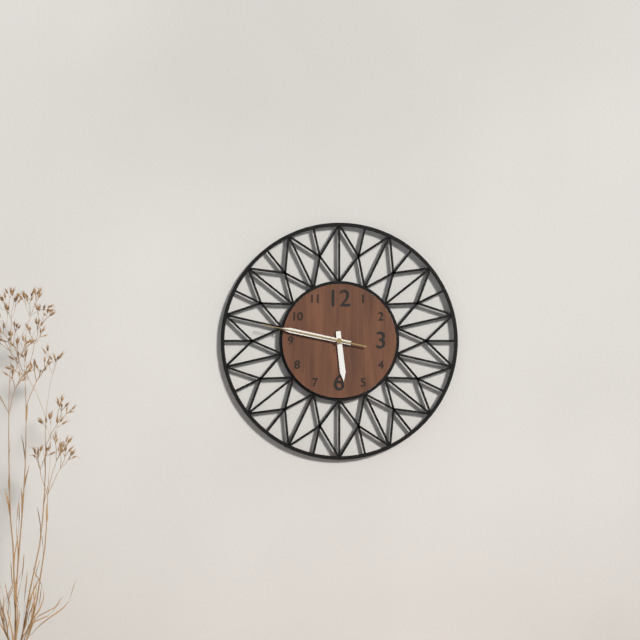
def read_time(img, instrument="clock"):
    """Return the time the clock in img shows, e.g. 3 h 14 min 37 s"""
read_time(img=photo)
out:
5 h 47 min 47 s
